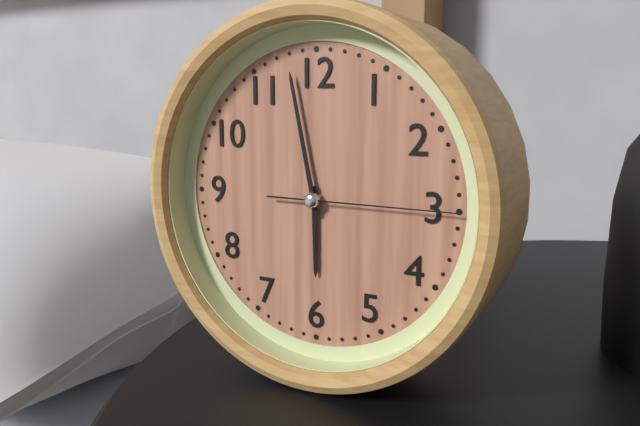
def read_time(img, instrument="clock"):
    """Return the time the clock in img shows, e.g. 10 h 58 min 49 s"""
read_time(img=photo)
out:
5 h 58 min 15 s
